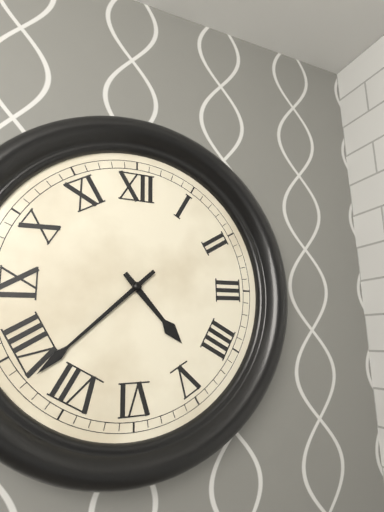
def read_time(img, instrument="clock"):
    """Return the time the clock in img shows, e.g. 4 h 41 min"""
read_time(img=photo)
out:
4 h 38 min
